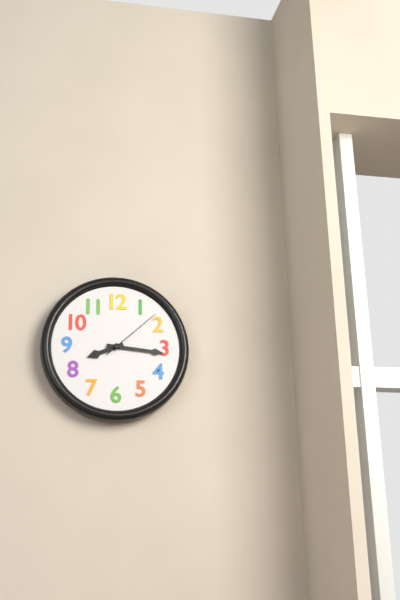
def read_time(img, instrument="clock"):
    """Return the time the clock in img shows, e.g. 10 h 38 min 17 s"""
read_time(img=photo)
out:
8 h 16 min 08 s
